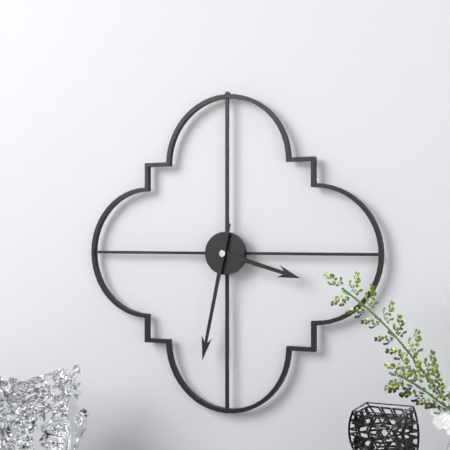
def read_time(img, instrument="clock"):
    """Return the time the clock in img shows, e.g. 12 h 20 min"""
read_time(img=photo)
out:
3 h 32 min
